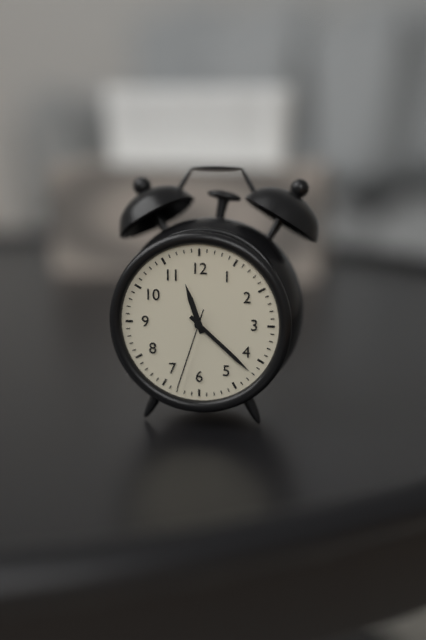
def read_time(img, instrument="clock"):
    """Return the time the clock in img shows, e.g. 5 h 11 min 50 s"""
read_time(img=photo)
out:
11 h 22 min 33 s
